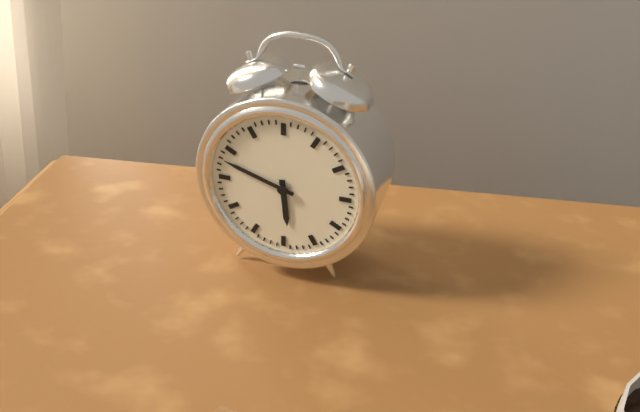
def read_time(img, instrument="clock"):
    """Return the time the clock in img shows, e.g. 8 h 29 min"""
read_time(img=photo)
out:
5 h 48 min
